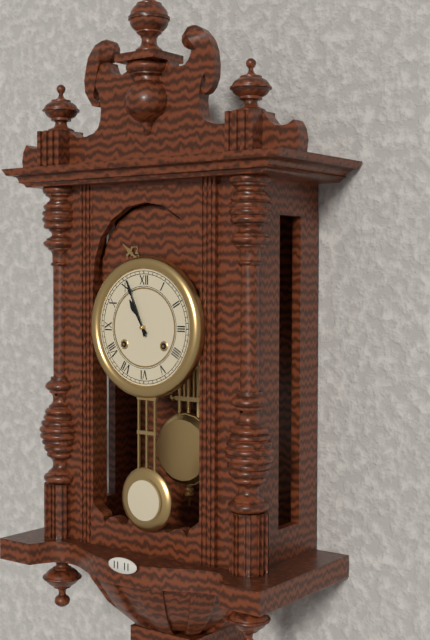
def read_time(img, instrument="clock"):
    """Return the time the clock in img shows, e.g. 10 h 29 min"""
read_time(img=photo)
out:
10 h 56 min
